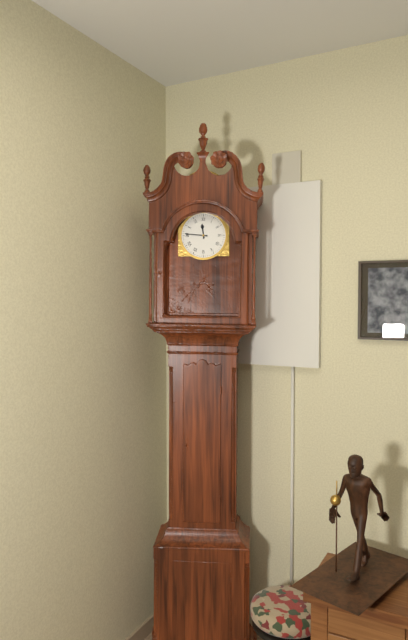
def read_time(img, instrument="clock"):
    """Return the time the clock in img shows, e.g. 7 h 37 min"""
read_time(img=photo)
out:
11 h 46 min
